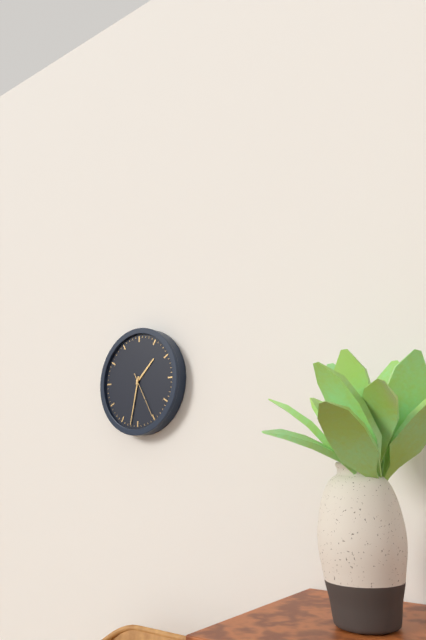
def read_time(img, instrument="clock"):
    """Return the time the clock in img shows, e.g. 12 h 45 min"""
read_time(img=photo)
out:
1 h 32 min
